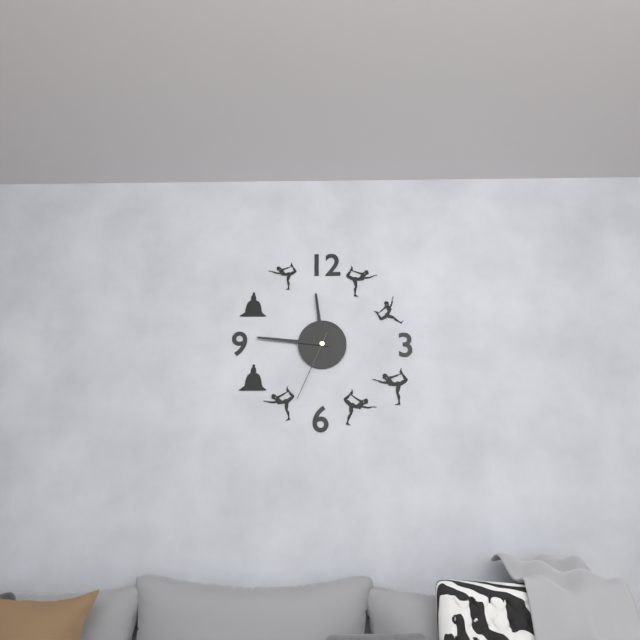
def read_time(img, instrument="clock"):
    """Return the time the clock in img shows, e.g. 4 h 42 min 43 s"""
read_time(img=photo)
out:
11 h 46 min 34 s
